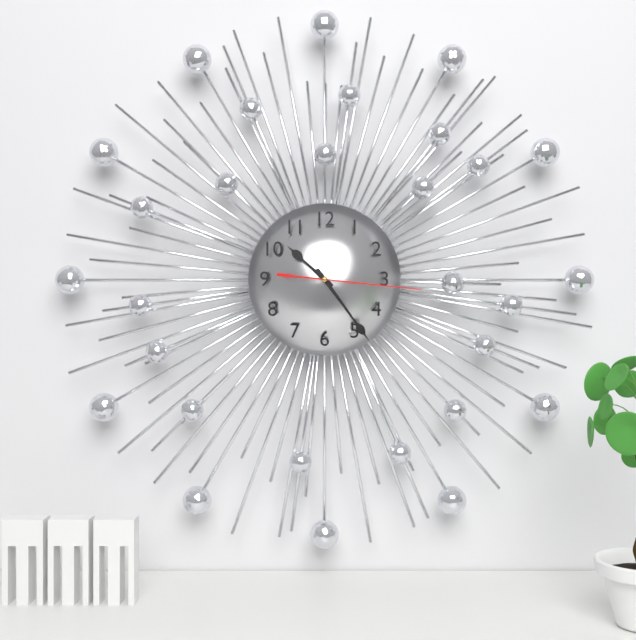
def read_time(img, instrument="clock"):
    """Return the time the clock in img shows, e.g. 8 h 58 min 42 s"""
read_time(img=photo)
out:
10 h 24 min 16 s
